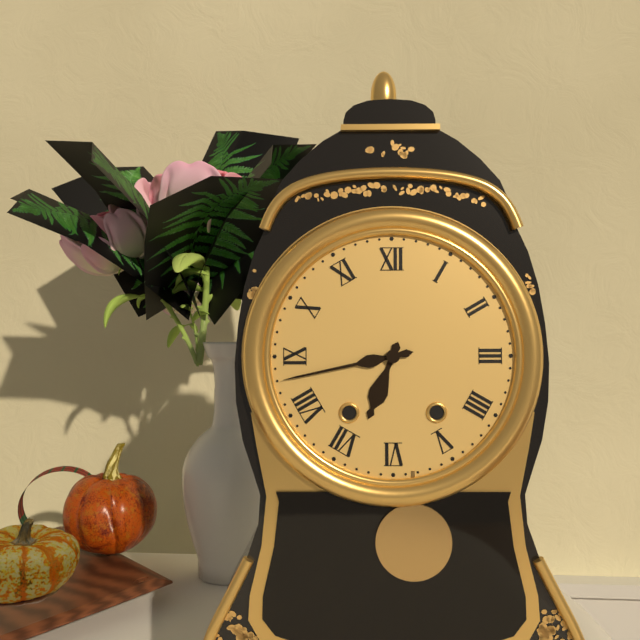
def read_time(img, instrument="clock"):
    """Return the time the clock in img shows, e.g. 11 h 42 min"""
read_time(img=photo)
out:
6 h 43 min
